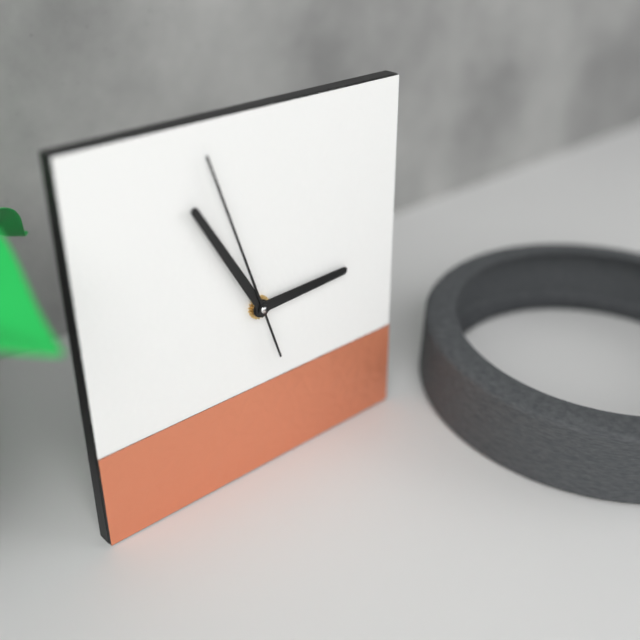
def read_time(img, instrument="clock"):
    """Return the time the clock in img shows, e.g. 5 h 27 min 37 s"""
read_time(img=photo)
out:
2 h 55 min 57 s
